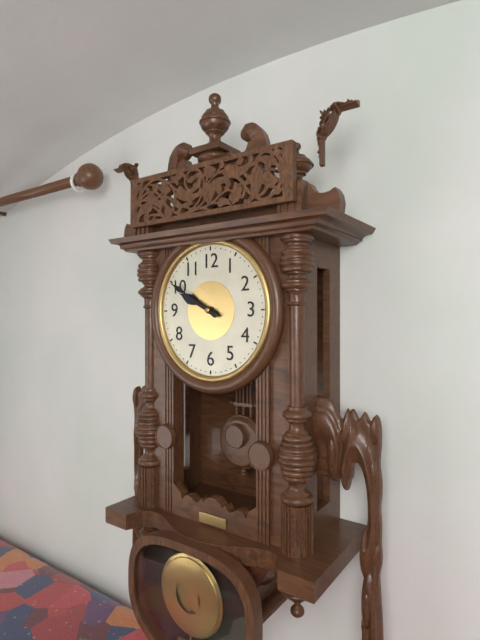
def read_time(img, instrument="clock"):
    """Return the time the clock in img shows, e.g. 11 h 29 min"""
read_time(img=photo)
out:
9 h 50 min
